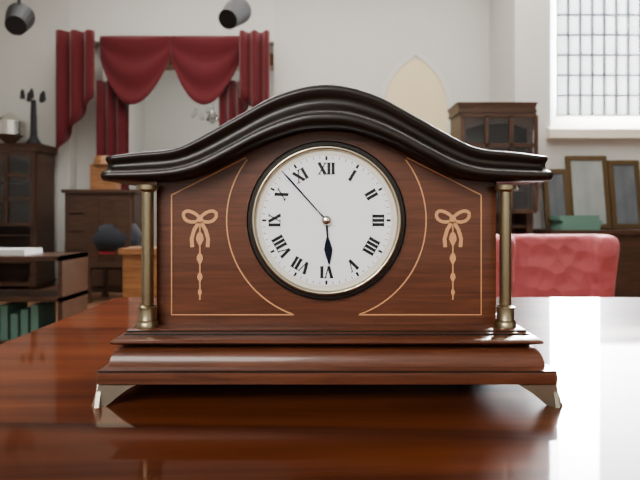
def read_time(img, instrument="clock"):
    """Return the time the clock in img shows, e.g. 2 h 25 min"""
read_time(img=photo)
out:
5 h 53 min
